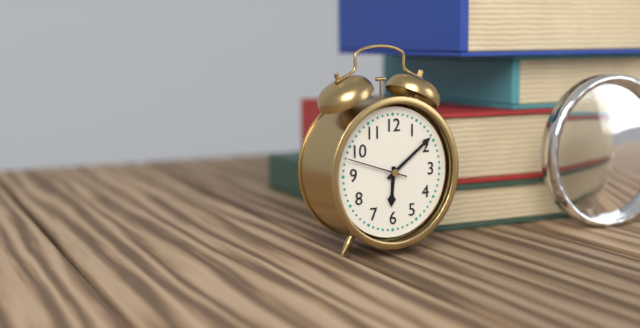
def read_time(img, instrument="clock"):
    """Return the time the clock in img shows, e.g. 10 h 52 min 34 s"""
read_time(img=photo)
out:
6 h 09 min 48 s
